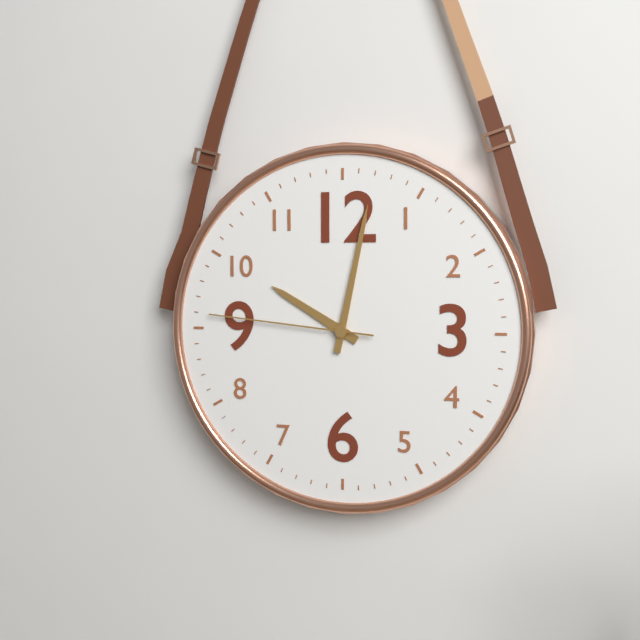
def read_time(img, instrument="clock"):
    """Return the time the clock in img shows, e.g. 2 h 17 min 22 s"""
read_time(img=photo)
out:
10 h 02 min 46 s
